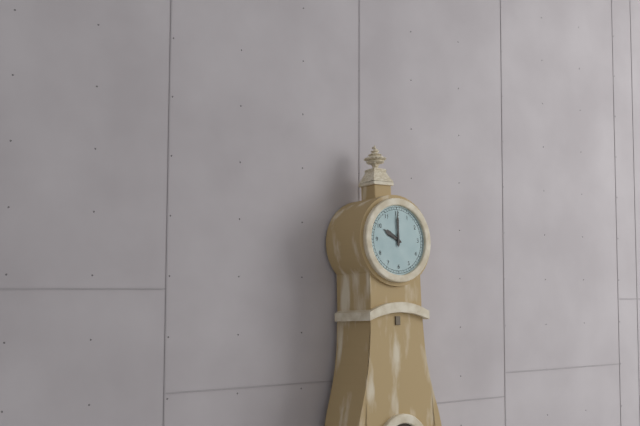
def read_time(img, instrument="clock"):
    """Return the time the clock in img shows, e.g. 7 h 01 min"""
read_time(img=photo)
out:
10 h 00 min
